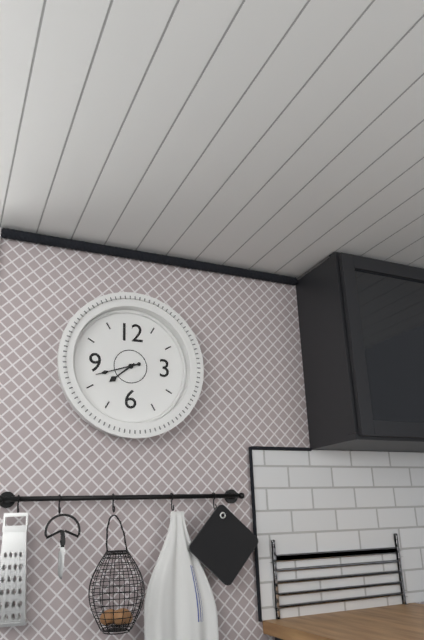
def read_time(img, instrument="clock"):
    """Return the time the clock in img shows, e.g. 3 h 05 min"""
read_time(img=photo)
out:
7 h 42 min
